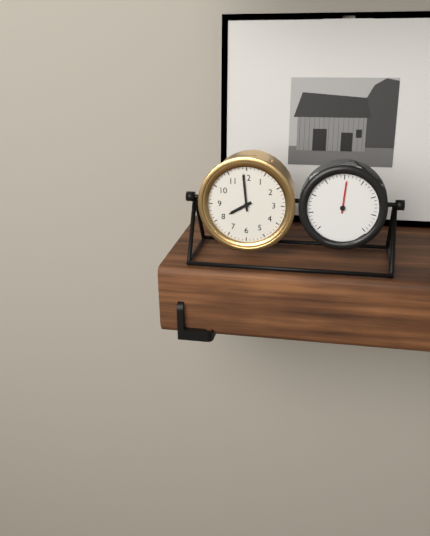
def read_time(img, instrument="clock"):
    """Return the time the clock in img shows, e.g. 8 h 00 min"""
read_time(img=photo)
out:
7 h 59 min
